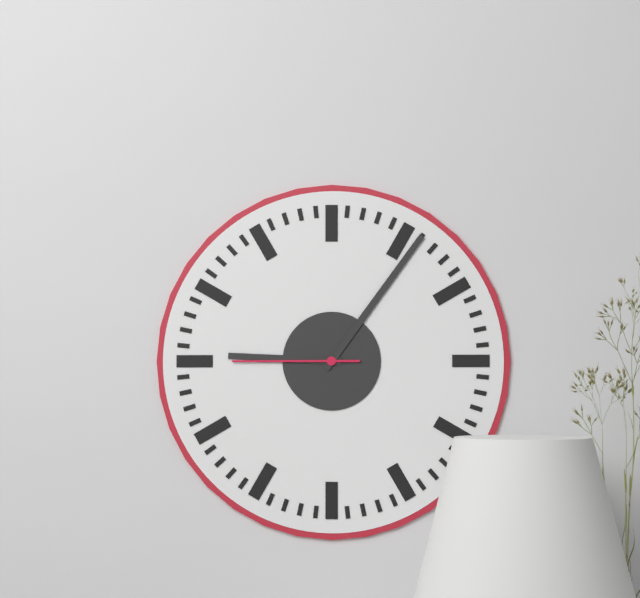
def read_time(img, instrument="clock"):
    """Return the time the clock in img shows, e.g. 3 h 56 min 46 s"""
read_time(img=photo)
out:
9 h 06 min 45 s
